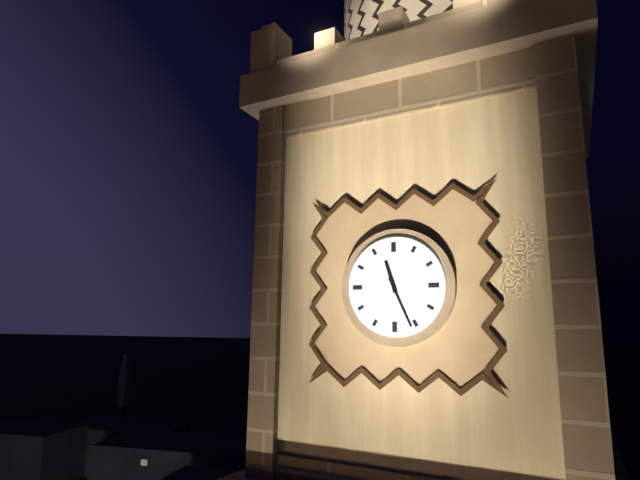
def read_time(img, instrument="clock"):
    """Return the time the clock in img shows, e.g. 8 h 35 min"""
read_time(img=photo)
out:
11 h 26 min
